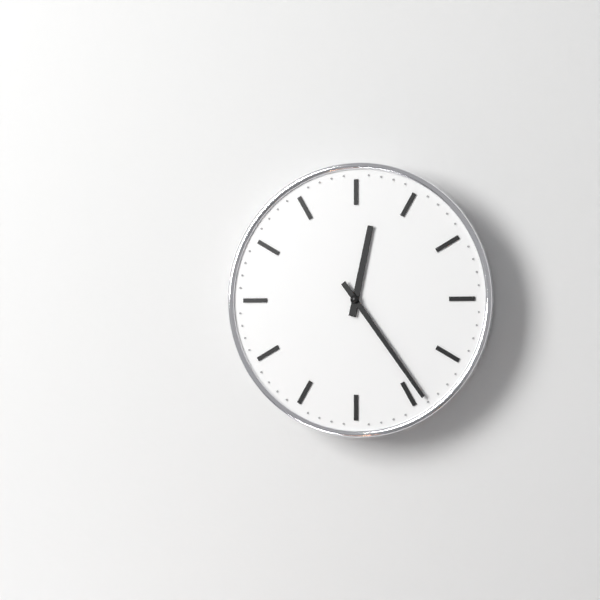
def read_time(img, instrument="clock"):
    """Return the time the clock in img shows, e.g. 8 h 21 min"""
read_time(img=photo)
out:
12 h 24 min
